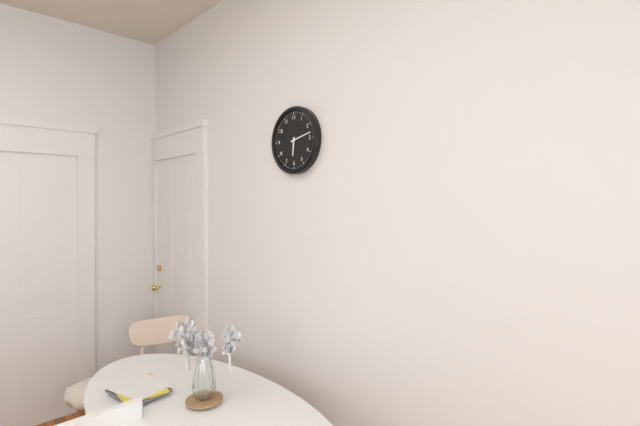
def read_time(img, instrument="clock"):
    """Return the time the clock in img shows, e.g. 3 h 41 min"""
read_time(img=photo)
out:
6 h 13 min
